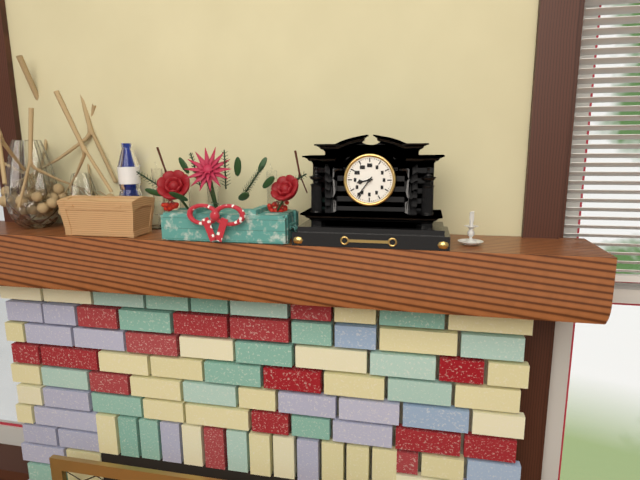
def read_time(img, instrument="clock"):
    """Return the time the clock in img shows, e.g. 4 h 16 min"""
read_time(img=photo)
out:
8 h 36 min
